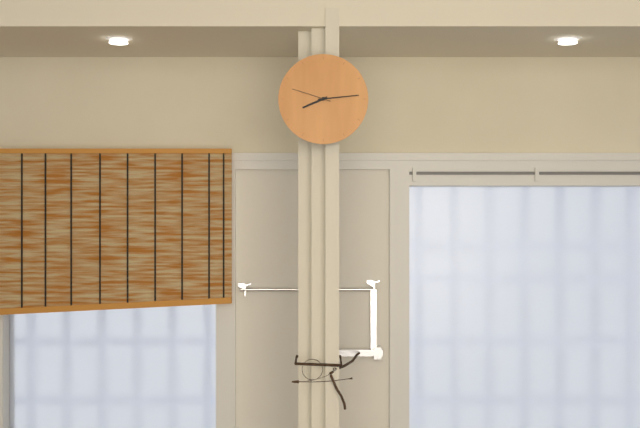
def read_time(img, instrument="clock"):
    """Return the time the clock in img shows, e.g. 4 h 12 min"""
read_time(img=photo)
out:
8 h 14 min
